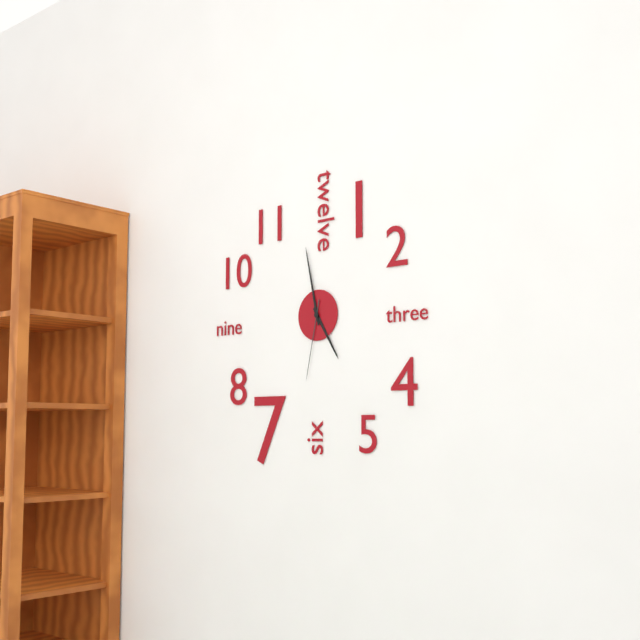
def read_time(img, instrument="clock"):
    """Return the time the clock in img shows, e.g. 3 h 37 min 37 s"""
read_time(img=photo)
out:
4 h 58 min 32 s
